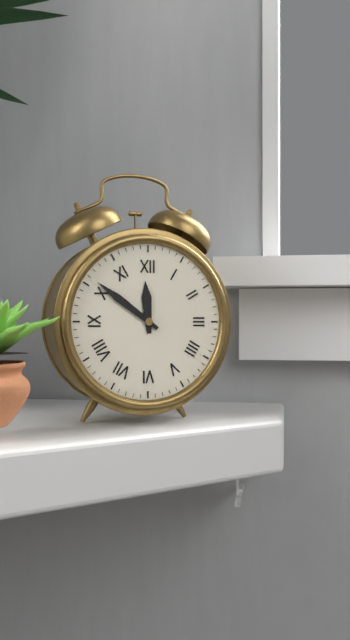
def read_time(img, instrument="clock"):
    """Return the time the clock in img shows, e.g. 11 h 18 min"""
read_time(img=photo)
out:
11 h 51 min
